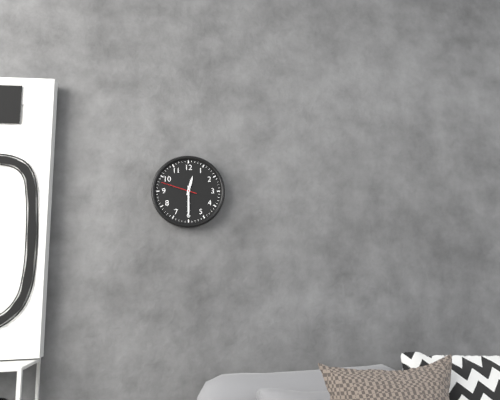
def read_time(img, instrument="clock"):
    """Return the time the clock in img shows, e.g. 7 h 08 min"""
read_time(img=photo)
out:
12 h 30 min
